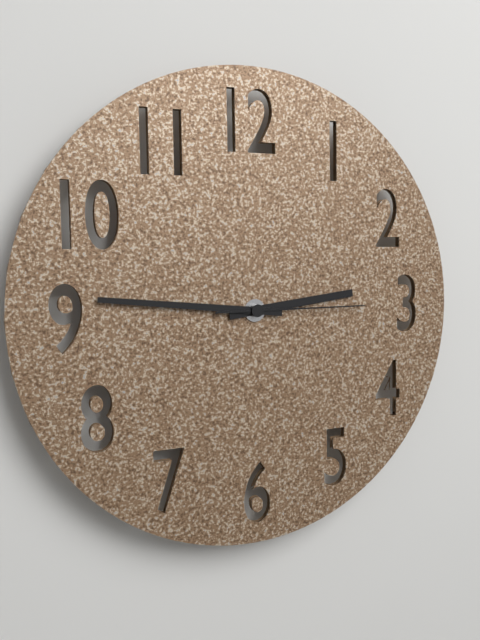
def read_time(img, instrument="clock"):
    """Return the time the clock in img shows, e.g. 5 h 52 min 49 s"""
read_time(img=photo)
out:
2 h 46 min 15 s
